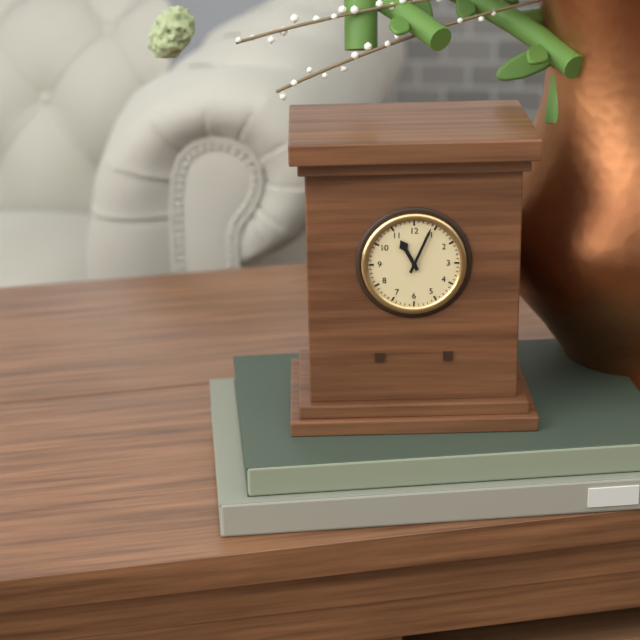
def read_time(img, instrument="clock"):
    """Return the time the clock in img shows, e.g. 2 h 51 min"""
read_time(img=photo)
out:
11 h 04 min
